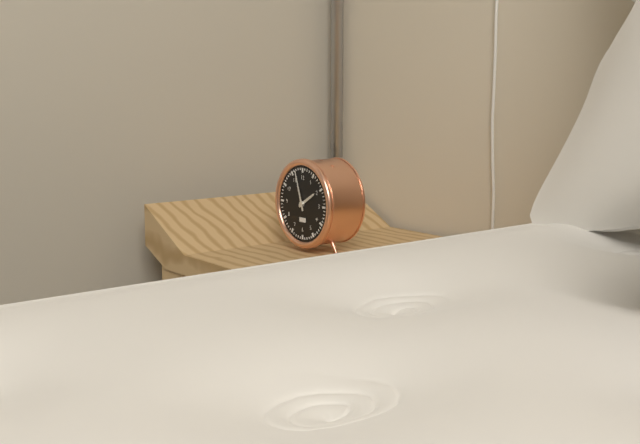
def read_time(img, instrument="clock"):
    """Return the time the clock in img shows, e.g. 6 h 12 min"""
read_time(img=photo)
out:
1 h 57 min
